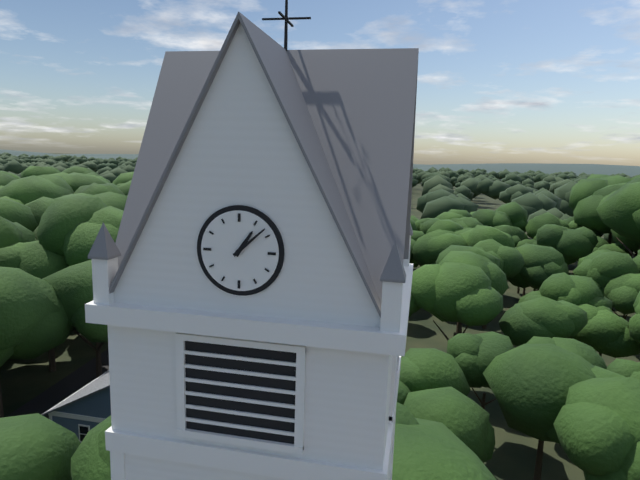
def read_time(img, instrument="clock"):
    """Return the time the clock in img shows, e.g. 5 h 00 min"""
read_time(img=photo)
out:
1 h 08 min
